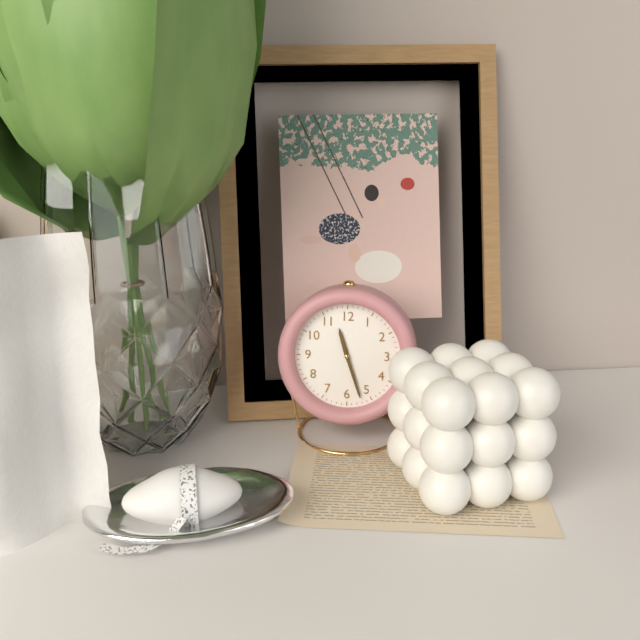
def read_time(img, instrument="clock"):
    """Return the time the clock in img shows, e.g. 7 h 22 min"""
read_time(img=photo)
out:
11 h 27 min
